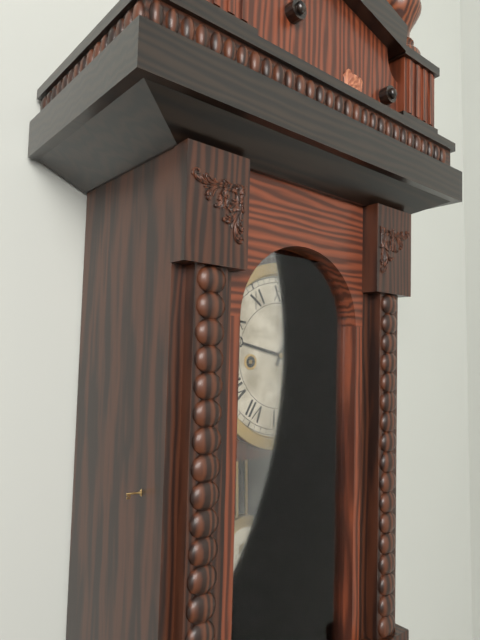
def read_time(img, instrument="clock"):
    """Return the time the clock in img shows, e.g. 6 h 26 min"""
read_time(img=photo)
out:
12 h 47 min
